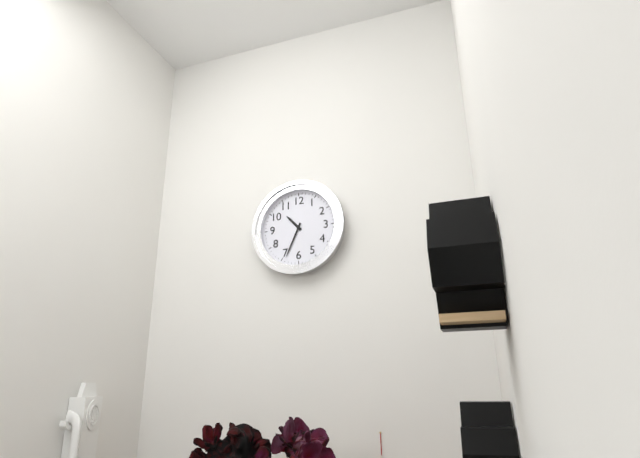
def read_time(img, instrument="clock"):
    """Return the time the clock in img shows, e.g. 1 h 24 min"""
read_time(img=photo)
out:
10 h 34 min
